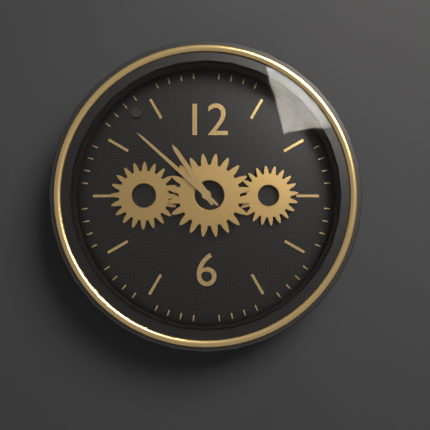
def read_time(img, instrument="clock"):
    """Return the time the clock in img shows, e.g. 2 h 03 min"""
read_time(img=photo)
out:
10 h 52 min
